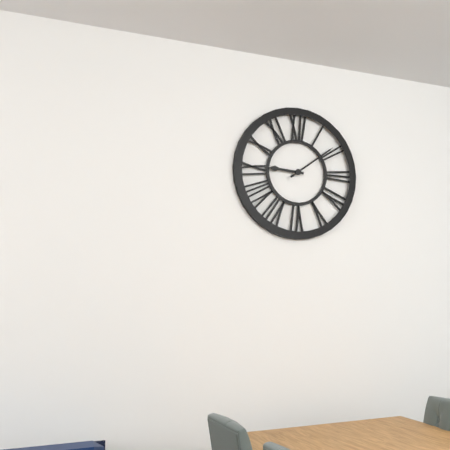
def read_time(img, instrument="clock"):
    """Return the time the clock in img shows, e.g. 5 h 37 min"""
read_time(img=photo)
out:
9 h 09 min
